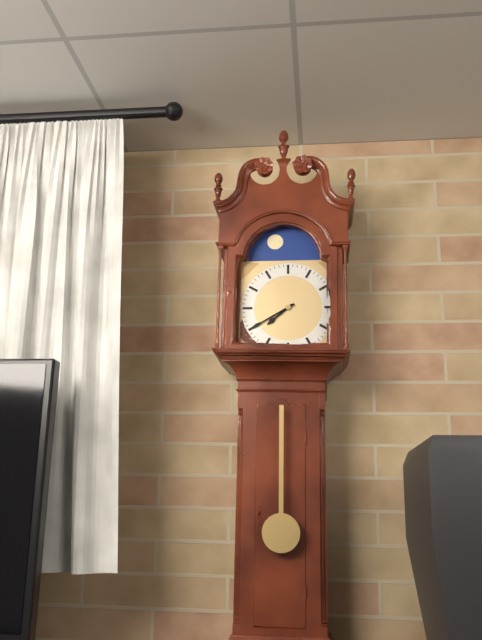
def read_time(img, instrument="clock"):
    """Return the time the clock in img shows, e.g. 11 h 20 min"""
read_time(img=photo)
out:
7 h 40 min
